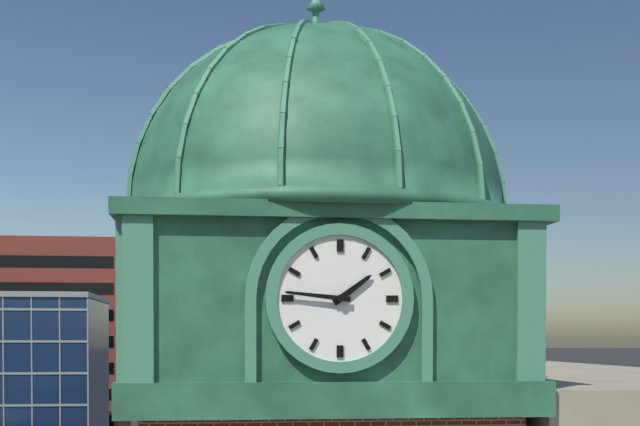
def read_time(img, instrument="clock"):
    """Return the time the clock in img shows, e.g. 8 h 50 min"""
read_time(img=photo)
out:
1 h 46 min
